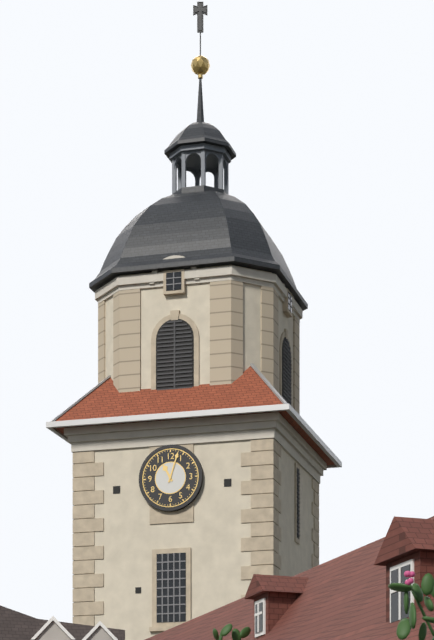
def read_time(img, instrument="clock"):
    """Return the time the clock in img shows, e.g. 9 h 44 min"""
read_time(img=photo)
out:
11 h 03 min
